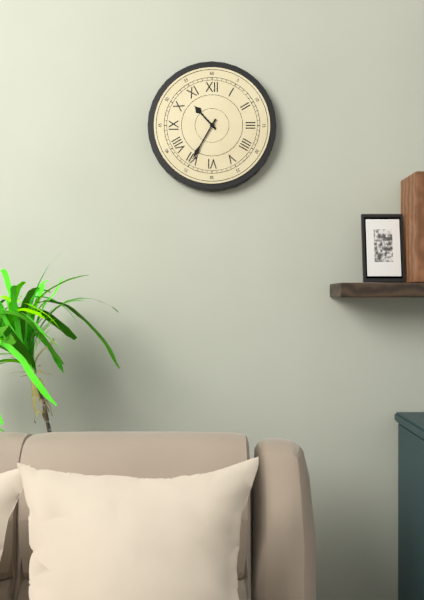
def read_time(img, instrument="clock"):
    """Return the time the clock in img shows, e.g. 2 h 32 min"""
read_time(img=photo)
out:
10 h 35 min
